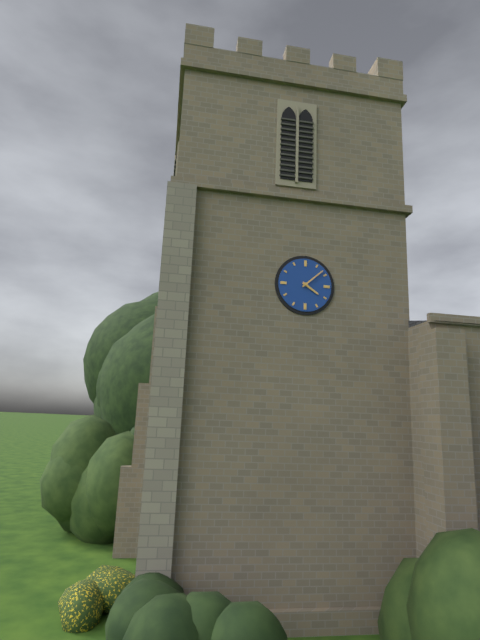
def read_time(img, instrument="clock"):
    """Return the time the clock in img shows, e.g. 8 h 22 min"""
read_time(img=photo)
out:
4 h 08 min
